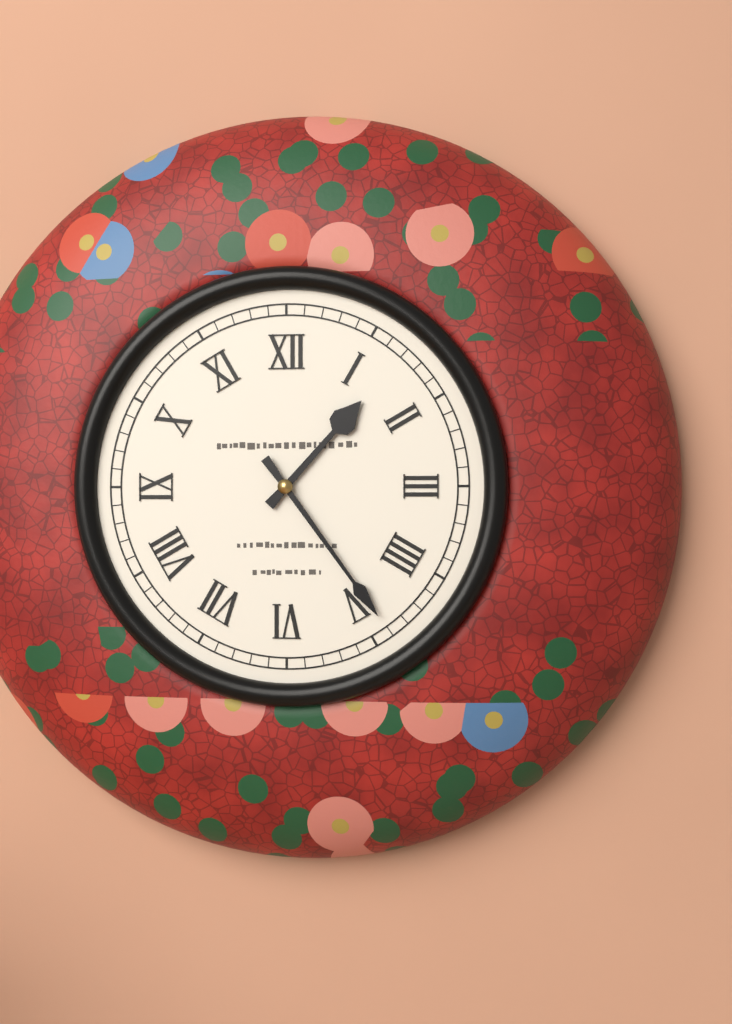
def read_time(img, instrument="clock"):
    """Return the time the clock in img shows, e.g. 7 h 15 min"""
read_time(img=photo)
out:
1 h 24 min
